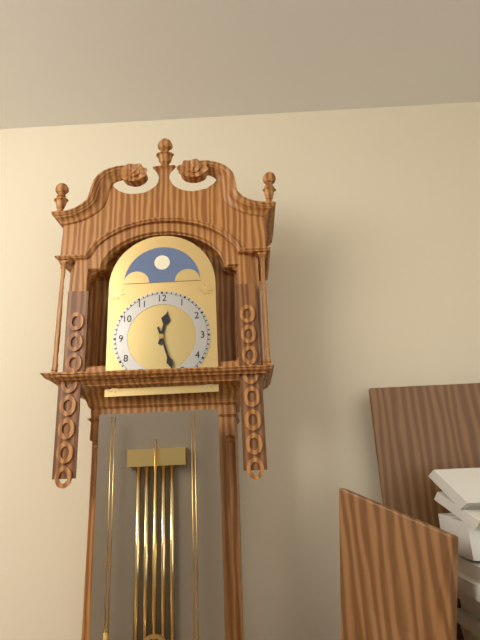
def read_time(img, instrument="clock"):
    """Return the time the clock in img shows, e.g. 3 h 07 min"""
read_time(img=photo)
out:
12 h 27 min
